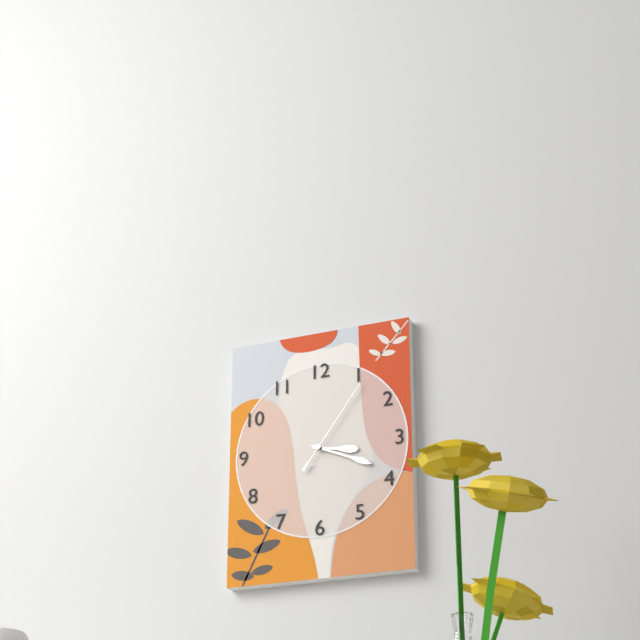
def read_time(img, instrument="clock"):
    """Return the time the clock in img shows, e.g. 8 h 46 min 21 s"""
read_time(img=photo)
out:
3 h 19 min 06 s
